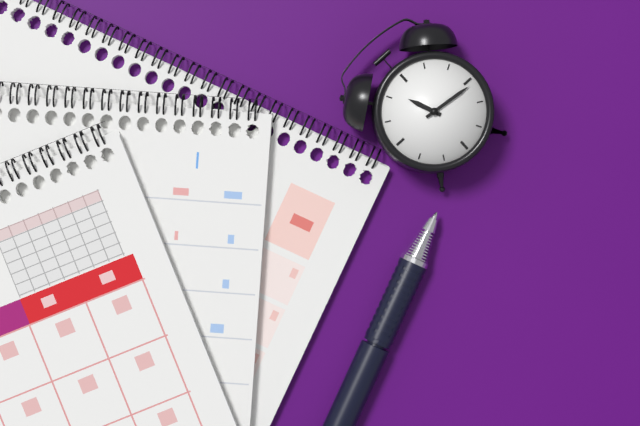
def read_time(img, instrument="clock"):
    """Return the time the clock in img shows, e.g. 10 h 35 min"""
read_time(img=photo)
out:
11 h 16 min
